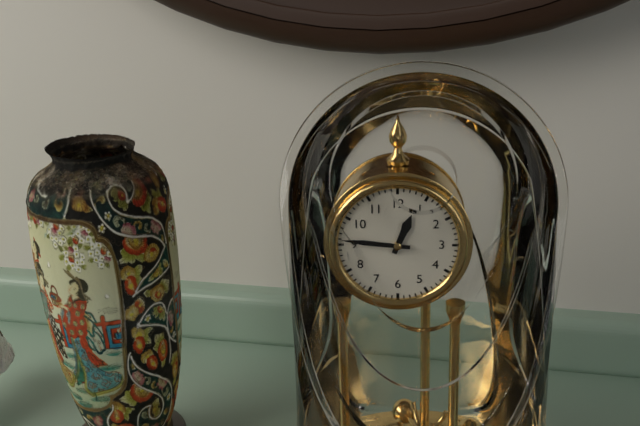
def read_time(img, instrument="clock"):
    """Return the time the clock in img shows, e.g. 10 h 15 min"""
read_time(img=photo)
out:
12 h 46 min
